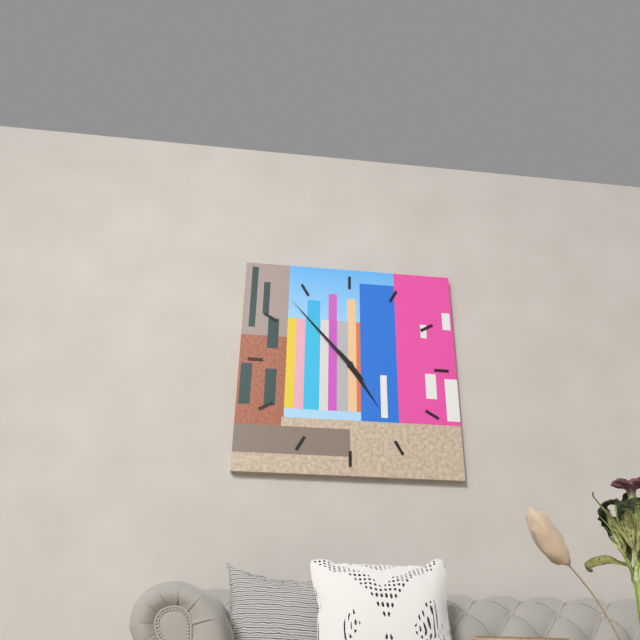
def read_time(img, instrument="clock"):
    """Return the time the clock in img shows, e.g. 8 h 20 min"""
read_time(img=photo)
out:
4 h 53 min
